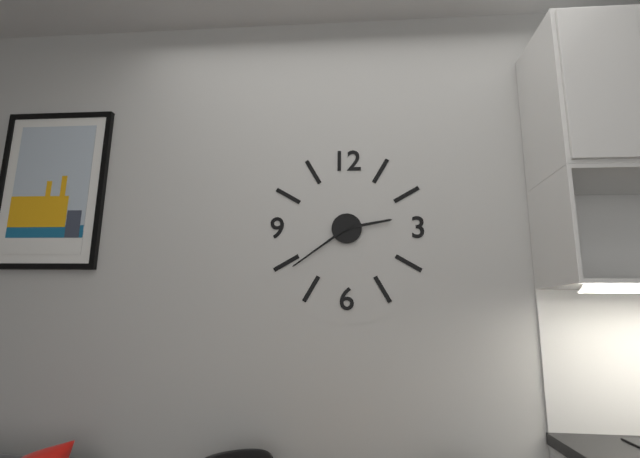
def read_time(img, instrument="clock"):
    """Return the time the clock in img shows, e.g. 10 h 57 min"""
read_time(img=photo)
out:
2 h 39 min
